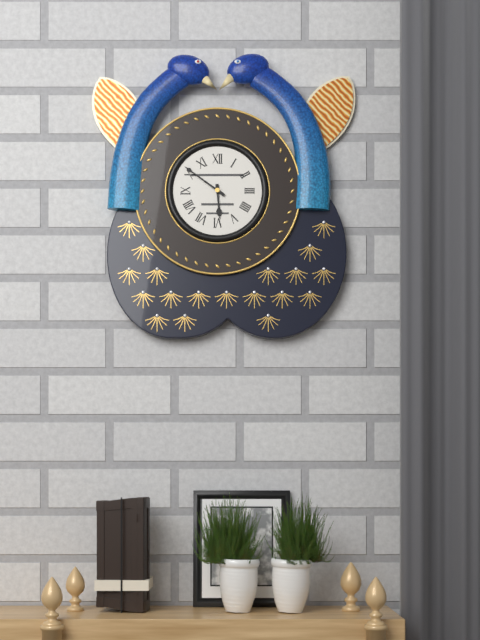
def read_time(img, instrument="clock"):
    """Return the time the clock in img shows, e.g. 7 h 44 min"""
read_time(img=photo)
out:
5 h 51 min
